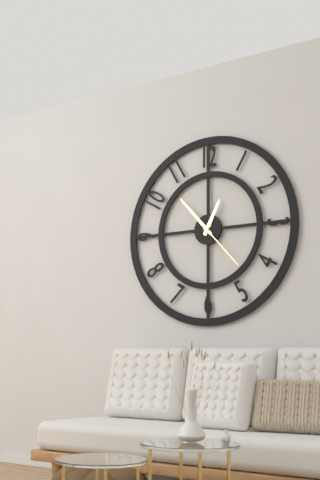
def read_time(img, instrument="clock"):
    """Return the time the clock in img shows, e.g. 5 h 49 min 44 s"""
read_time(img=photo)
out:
12 h 53 min 23 s
